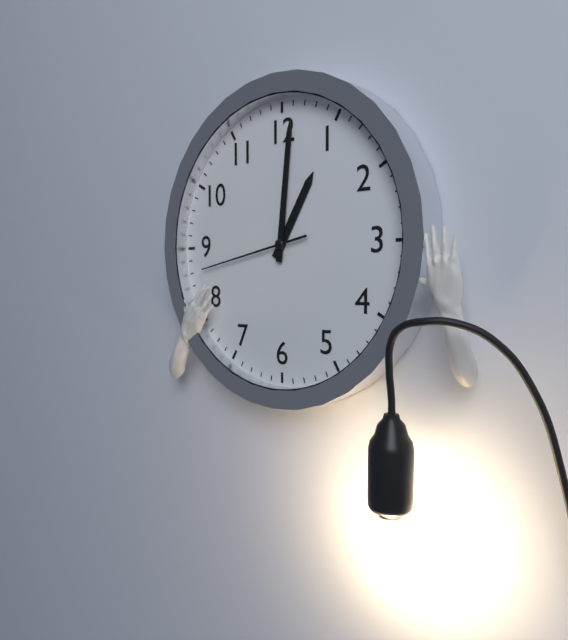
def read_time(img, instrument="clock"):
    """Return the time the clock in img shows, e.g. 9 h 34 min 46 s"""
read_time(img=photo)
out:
1 h 01 min 43 s
